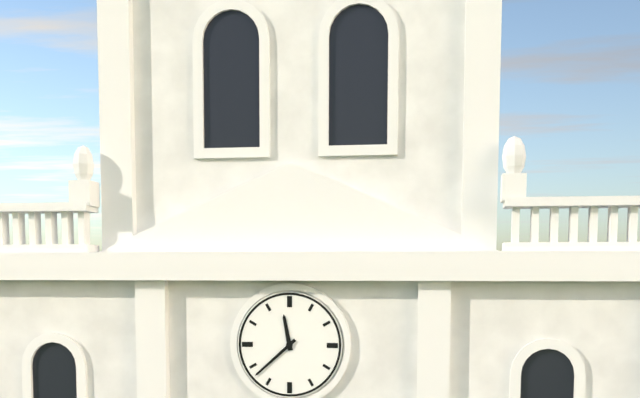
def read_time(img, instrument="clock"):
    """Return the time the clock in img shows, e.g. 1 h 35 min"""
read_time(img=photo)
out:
11 h 38 min
